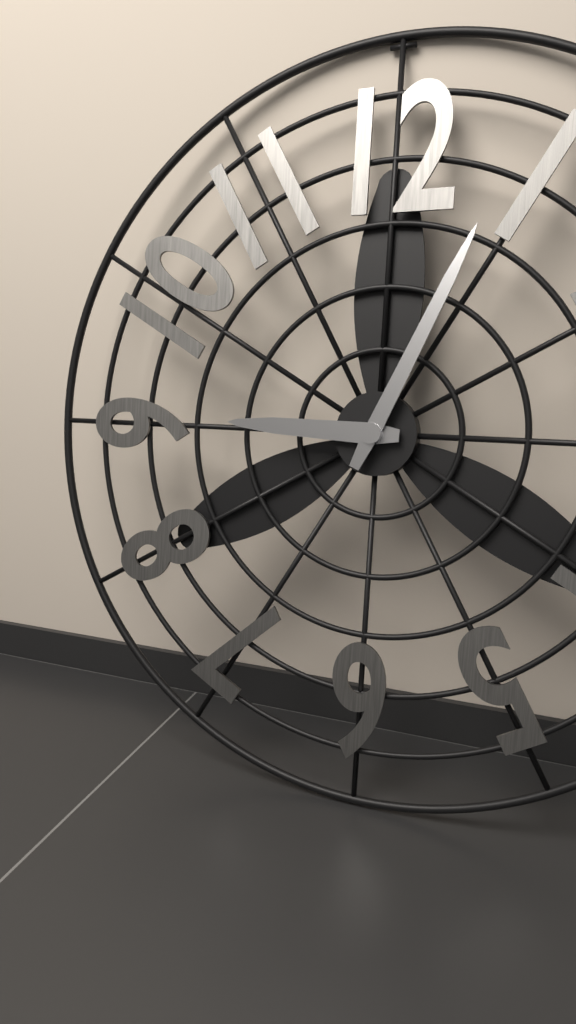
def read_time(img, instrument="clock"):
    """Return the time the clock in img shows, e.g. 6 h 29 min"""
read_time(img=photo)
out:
9 h 04 min
